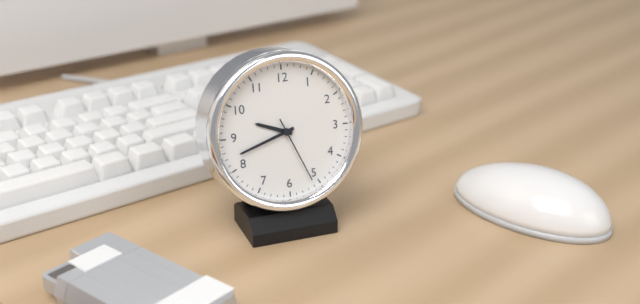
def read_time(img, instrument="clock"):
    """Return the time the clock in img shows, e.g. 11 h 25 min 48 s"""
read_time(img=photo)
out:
9 h 42 min 26 s
